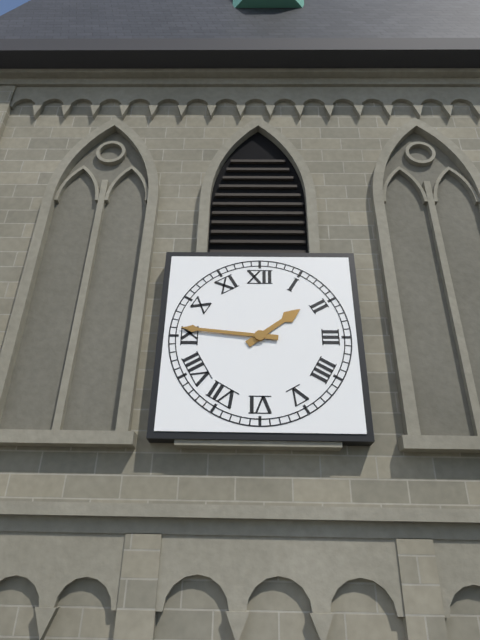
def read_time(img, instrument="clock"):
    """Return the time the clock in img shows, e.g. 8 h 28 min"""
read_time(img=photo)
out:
1 h 46 min
